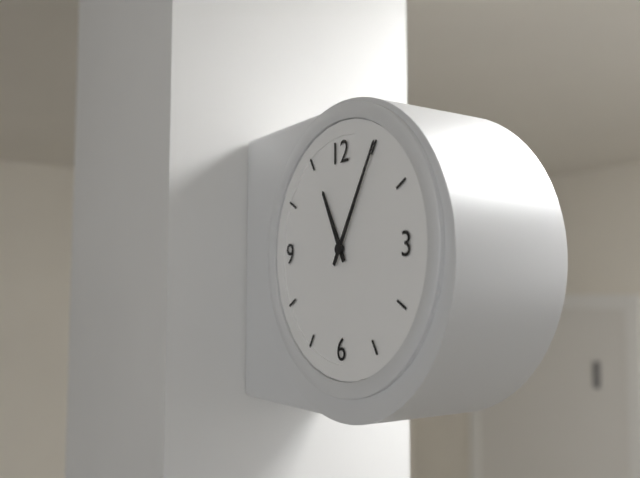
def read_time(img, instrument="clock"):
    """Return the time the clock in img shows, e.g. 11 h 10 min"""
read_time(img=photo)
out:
11 h 05 min
